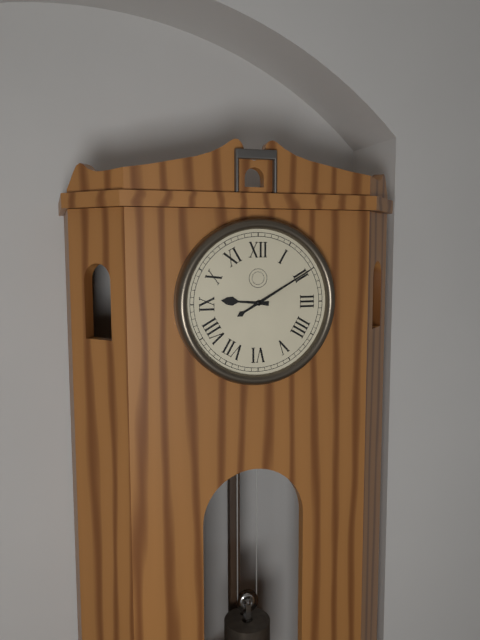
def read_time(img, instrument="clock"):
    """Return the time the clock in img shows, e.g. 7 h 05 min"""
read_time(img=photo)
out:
9 h 10 min
